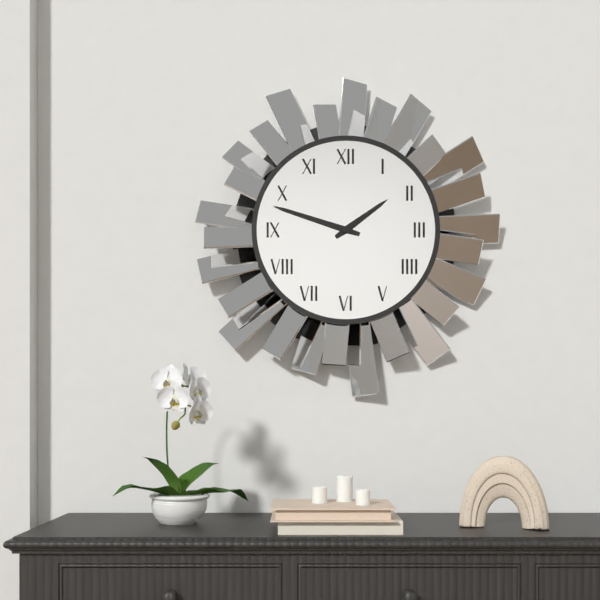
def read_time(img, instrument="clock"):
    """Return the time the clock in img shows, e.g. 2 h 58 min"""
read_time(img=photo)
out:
1 h 48 min
